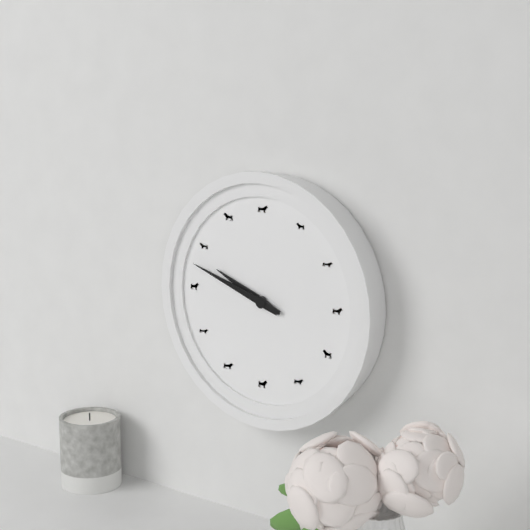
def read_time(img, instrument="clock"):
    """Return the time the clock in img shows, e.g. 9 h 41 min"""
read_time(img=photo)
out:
9 h 48 min
